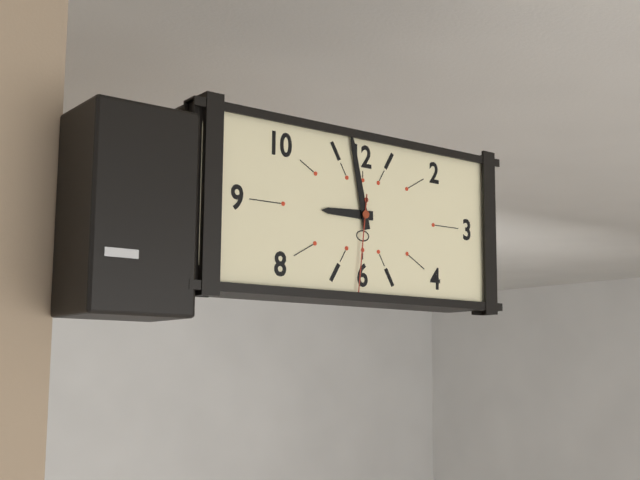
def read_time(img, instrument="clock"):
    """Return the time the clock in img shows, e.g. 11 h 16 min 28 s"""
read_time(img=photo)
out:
8 h 58 min 31 s
